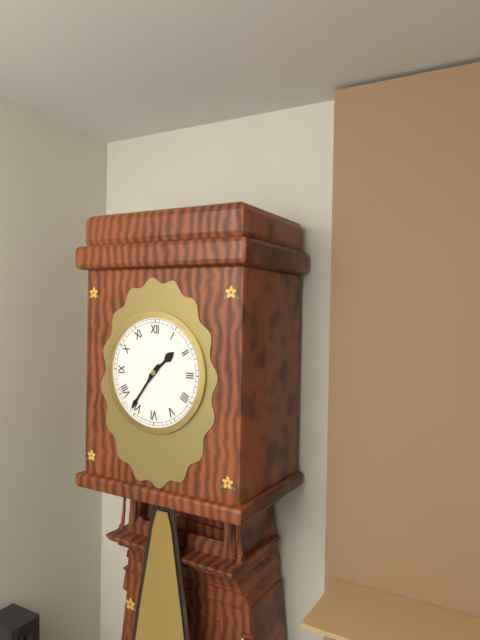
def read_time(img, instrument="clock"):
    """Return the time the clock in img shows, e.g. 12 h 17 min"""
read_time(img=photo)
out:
1 h 36 min
